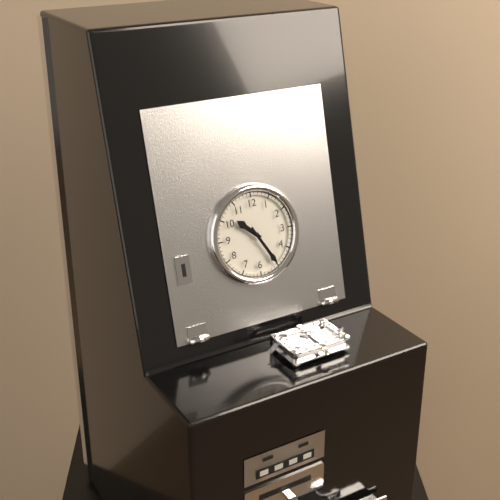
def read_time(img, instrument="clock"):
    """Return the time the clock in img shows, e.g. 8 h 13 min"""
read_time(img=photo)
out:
10 h 25 min
